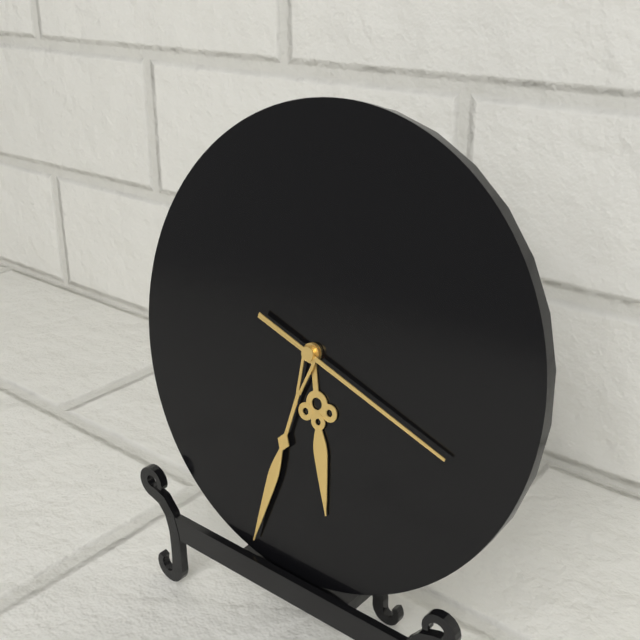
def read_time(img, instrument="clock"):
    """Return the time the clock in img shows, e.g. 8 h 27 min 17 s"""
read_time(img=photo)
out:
5 h 32 min 18 s
